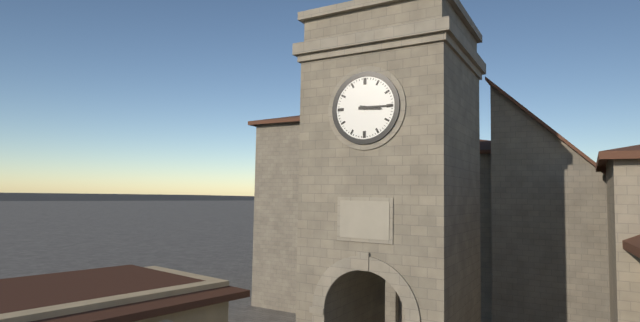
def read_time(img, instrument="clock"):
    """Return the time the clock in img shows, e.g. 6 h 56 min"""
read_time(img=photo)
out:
3 h 15 min
